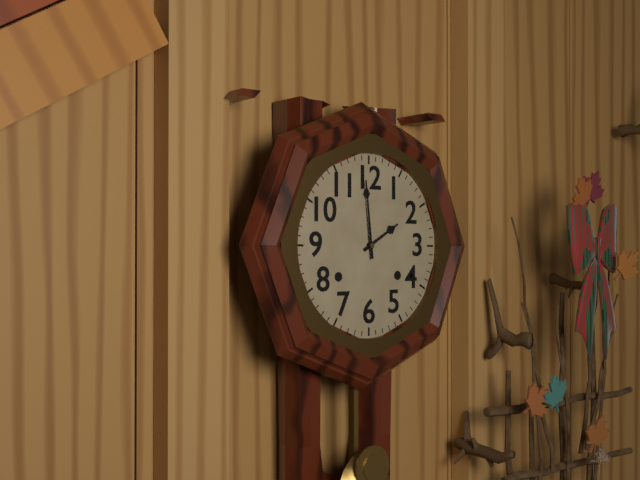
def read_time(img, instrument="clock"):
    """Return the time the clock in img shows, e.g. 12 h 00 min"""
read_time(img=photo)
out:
1 h 59 min
